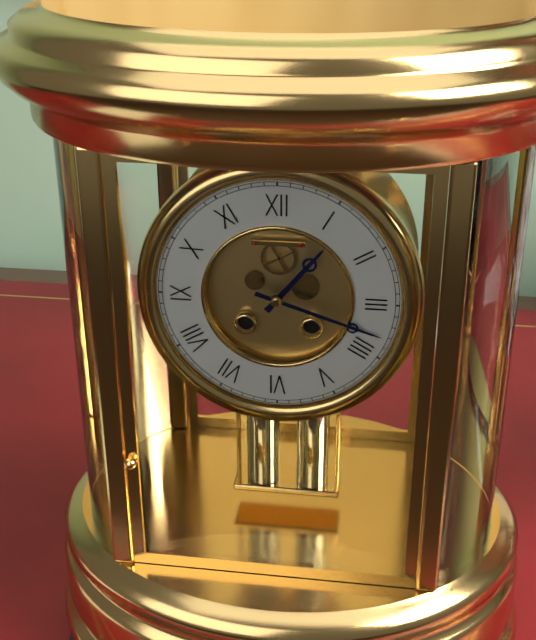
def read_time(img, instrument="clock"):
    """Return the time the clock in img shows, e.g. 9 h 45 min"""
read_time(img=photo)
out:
1 h 18 min
